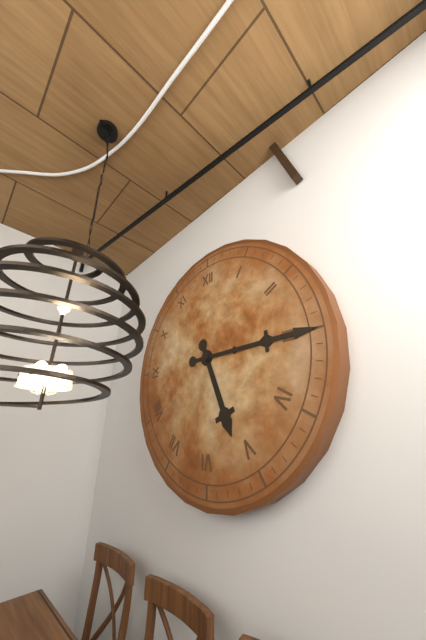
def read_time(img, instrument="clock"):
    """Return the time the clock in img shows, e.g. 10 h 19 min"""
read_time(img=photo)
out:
5 h 15 min
